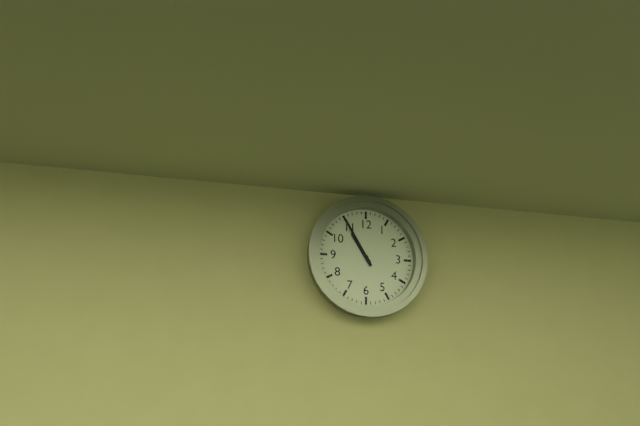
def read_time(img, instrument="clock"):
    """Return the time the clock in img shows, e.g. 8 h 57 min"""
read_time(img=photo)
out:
10 h 55 min
